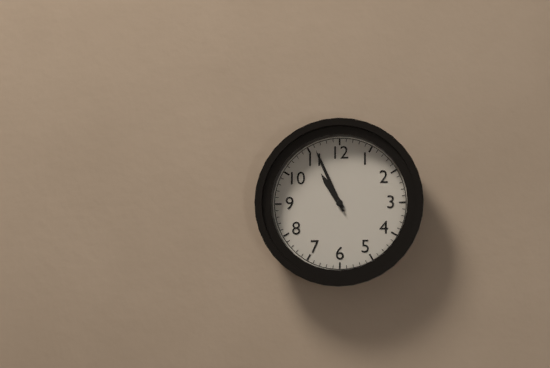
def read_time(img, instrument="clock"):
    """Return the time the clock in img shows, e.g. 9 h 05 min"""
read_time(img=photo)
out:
10 h 56 min
